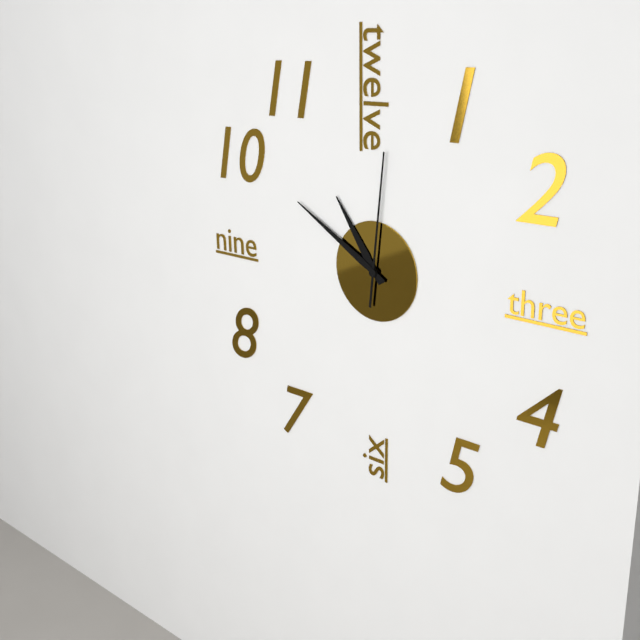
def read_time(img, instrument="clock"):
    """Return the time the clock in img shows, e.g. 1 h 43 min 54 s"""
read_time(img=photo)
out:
10 h 50 min 01 s
